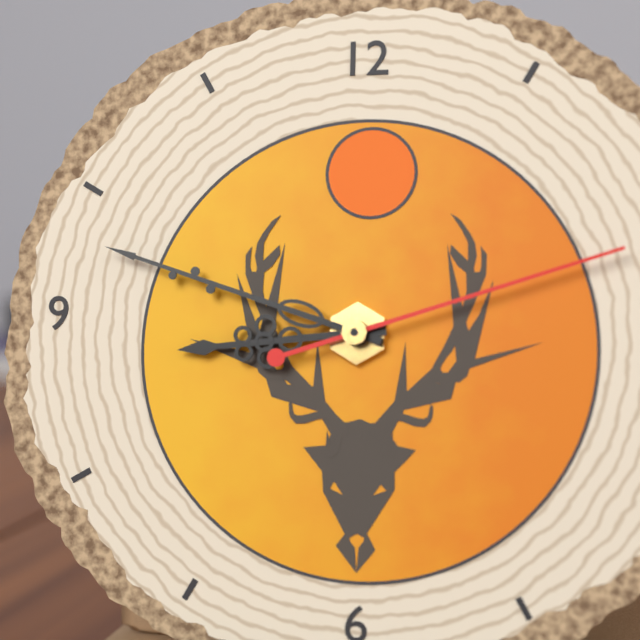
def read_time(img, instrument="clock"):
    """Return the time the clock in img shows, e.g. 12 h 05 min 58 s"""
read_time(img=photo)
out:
8 h 48 min 12 s
